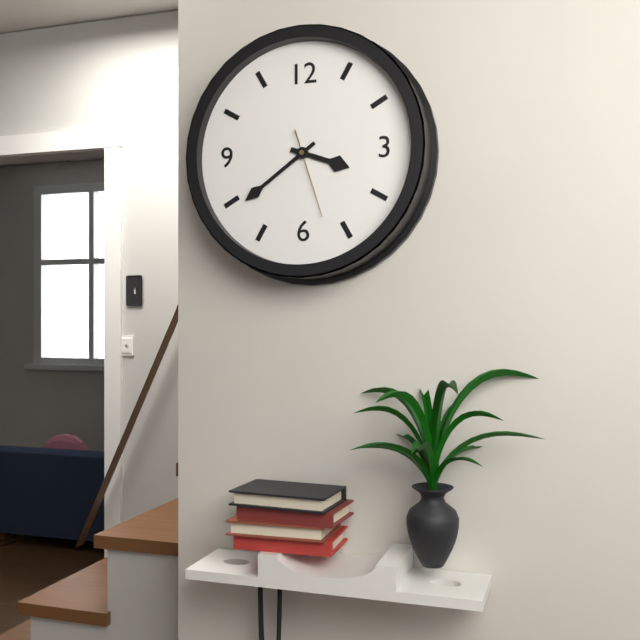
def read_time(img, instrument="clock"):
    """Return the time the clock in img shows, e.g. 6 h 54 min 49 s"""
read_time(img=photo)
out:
3 h 39 min 27 s
